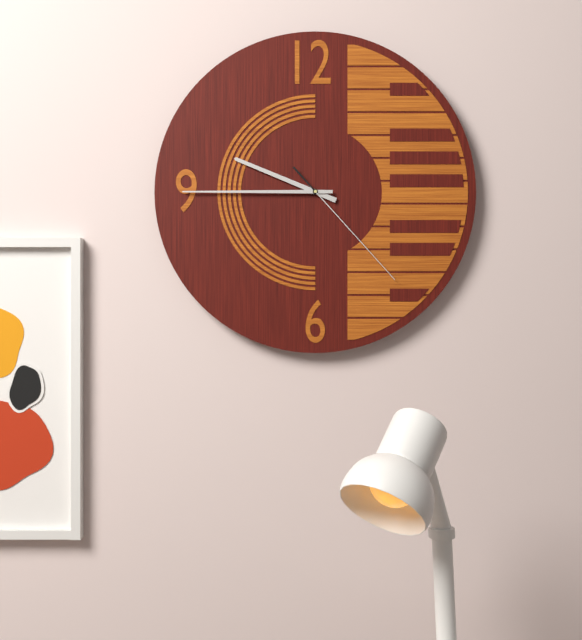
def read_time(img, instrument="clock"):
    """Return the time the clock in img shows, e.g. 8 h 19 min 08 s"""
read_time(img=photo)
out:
9 h 45 min 23 s
